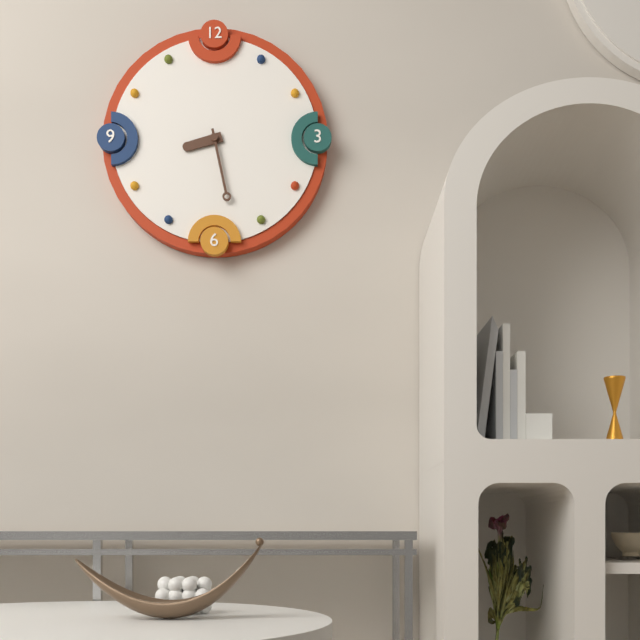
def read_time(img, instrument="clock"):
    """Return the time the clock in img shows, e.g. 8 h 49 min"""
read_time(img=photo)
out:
8 h 28 min
